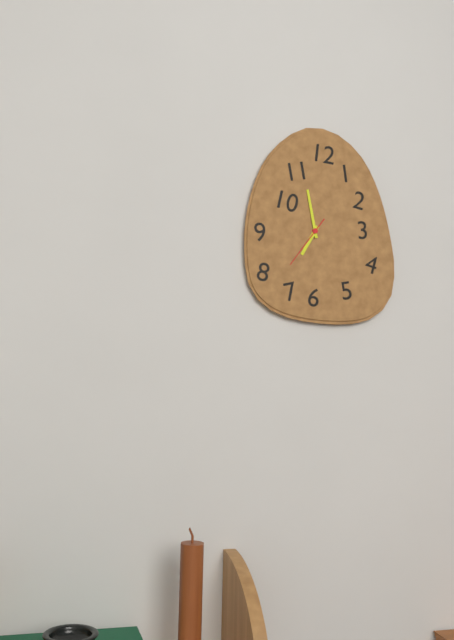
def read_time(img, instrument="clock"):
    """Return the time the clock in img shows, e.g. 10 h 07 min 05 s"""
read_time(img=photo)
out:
6 h 58 min 36 s
